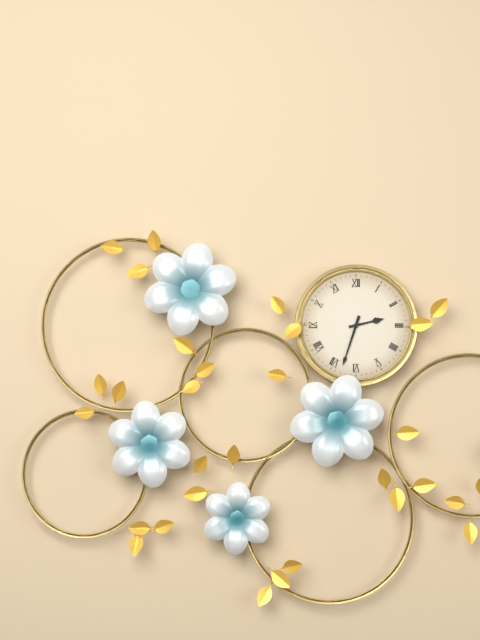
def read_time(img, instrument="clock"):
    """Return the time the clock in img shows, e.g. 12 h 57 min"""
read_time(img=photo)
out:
2 h 33 min
